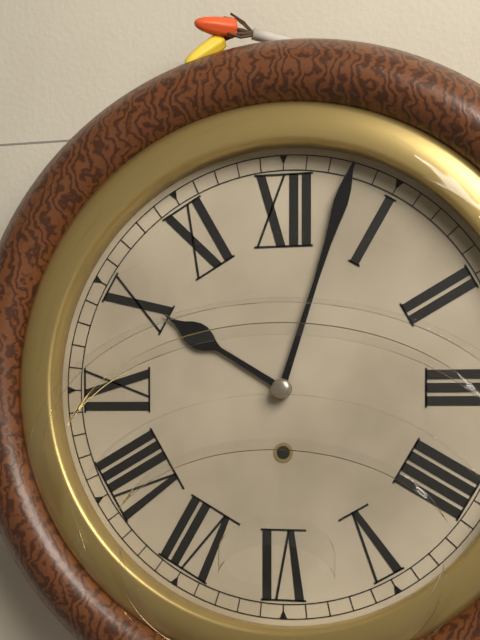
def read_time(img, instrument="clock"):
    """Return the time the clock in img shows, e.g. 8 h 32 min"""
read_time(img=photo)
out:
10 h 03 min
